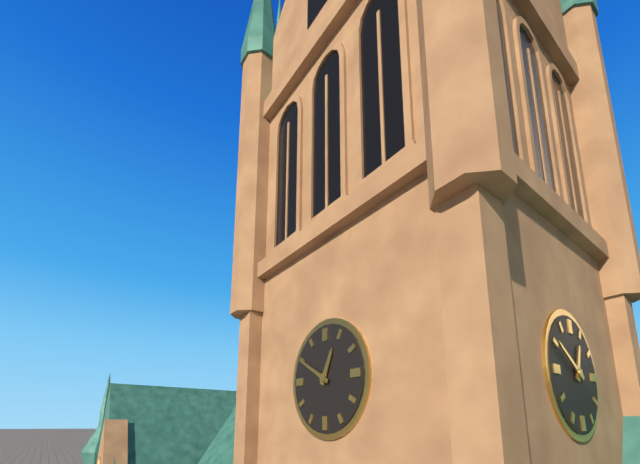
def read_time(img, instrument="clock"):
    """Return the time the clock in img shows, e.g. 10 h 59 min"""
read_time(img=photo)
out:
12 h 50 min
